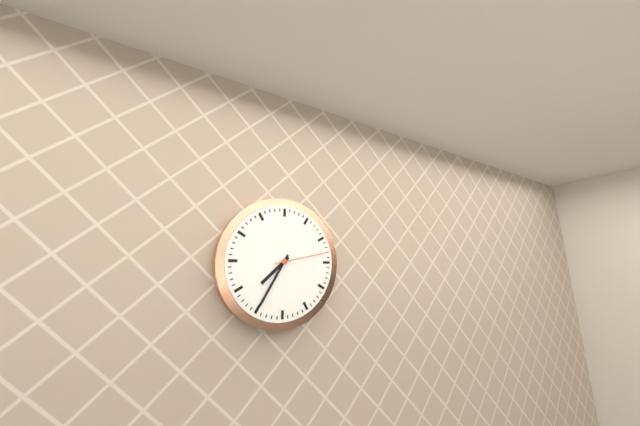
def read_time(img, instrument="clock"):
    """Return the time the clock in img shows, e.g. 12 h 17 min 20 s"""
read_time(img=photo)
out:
7 h 35 min 13 s
